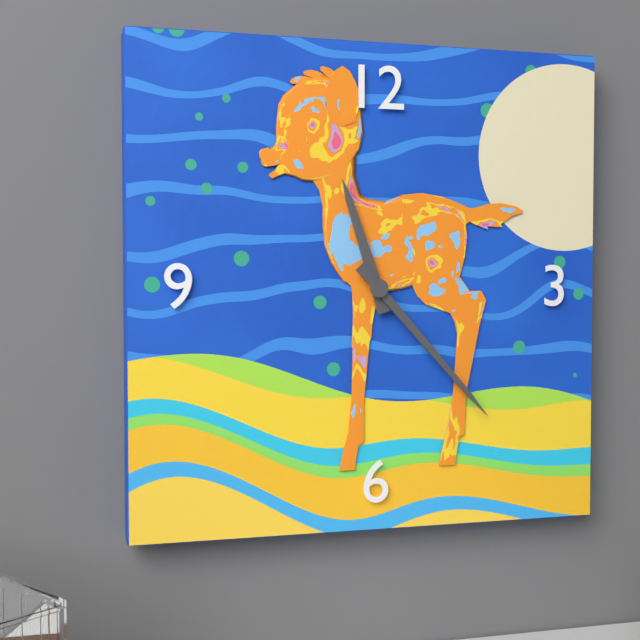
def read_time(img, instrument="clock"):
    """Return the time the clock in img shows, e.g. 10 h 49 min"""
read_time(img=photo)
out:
11 h 23 min
